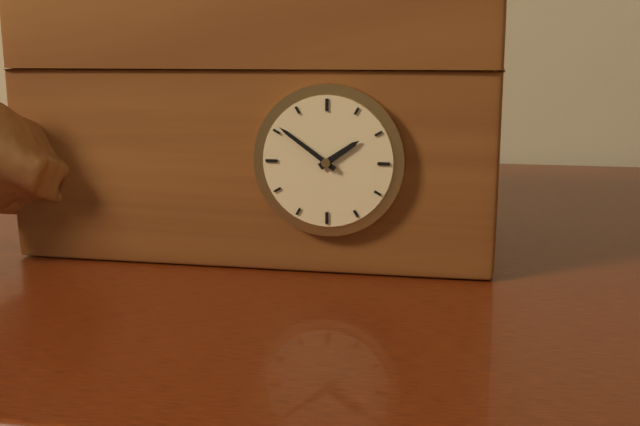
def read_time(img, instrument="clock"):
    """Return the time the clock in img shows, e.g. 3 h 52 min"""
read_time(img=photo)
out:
1 h 51 min
